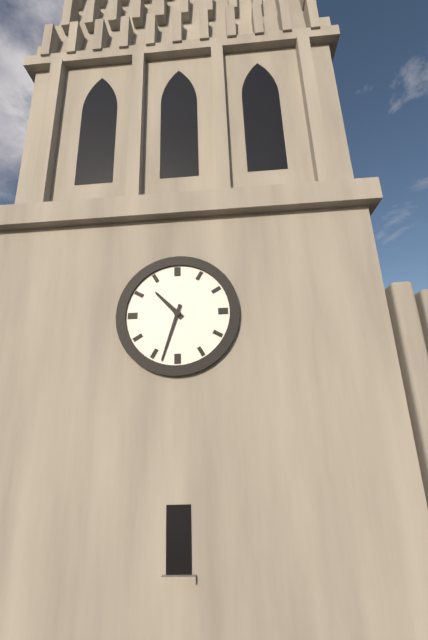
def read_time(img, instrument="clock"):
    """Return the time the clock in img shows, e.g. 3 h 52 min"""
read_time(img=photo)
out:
10 h 33 min
